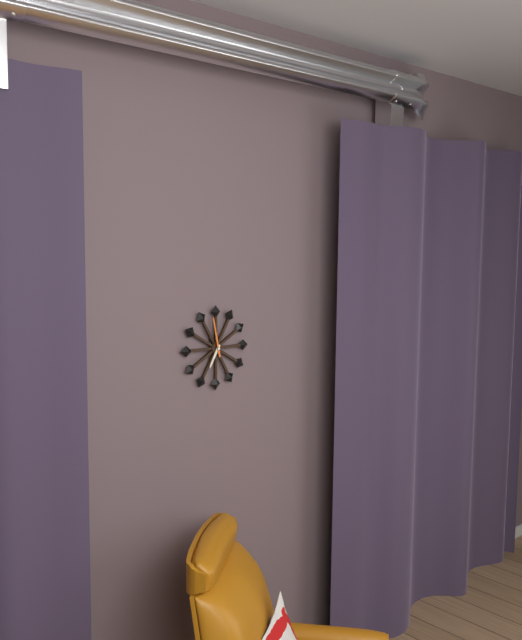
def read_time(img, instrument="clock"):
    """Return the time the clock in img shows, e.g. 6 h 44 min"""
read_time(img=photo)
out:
6 h 58 min
